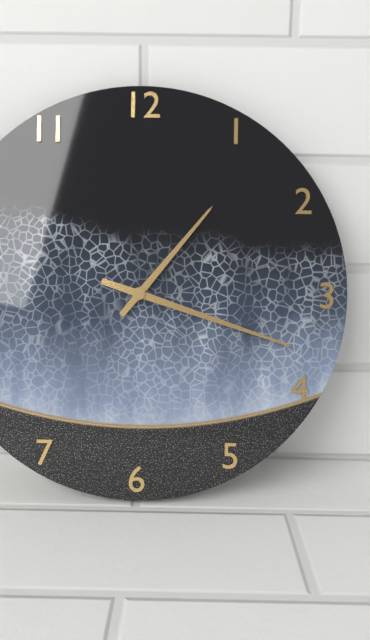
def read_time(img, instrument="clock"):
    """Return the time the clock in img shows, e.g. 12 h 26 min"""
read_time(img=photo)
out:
1 h 18 min
